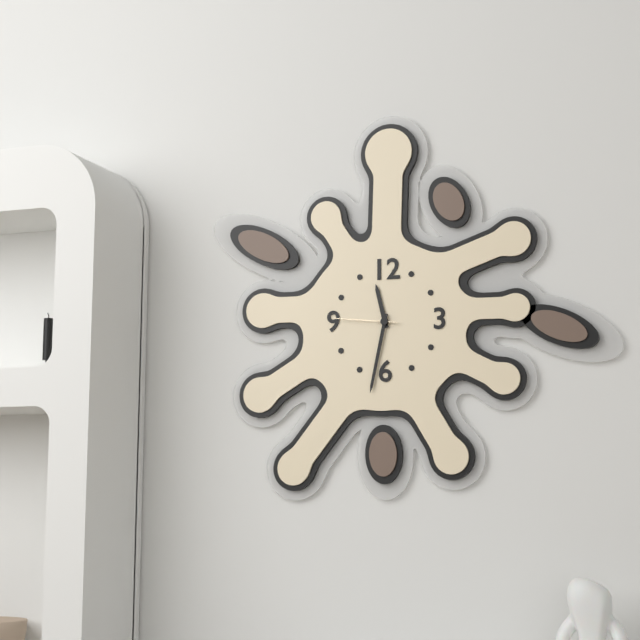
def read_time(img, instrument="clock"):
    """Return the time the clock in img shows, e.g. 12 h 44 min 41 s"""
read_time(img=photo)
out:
11 h 32 min 46 s
